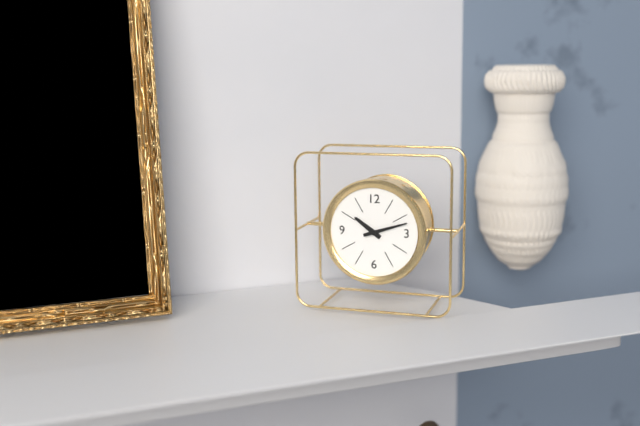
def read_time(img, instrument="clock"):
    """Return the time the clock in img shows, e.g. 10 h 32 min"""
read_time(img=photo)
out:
10 h 12 min
